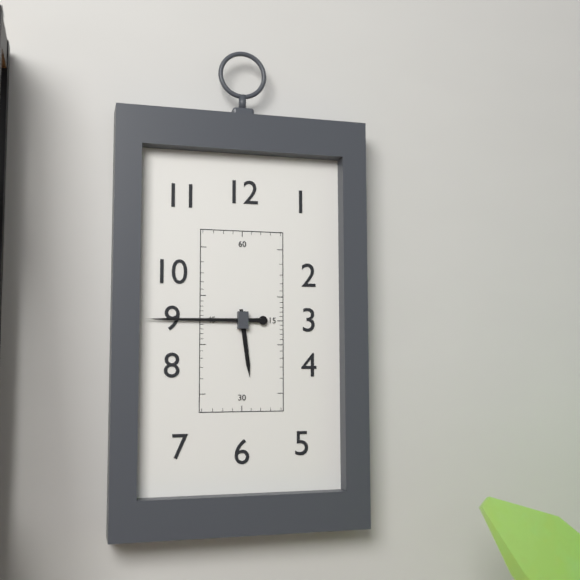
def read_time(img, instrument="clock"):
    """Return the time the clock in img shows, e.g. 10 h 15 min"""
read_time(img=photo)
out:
5 h 45 min
